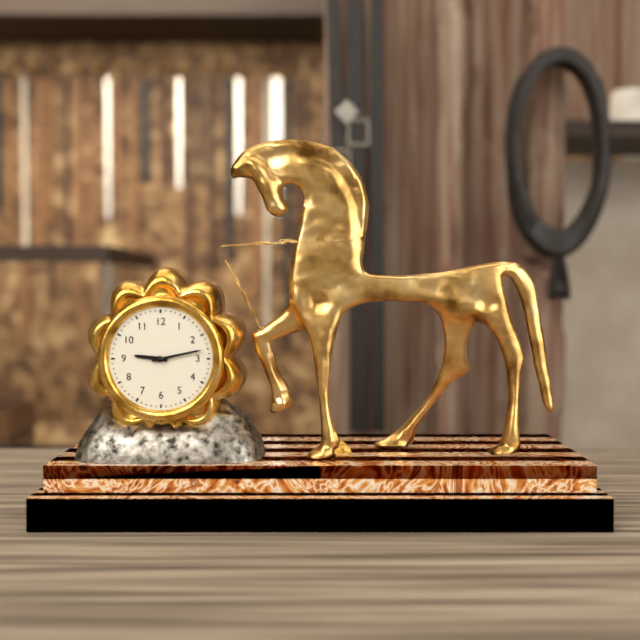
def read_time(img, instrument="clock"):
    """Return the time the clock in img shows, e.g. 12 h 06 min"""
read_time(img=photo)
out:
9 h 13 min
